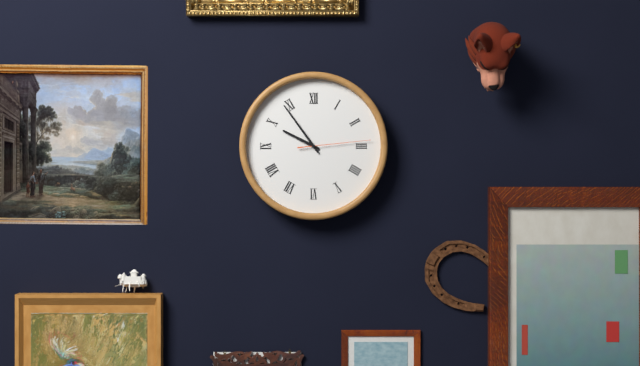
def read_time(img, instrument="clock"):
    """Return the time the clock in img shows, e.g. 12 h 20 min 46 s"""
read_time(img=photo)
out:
9 h 54 min 14 s
